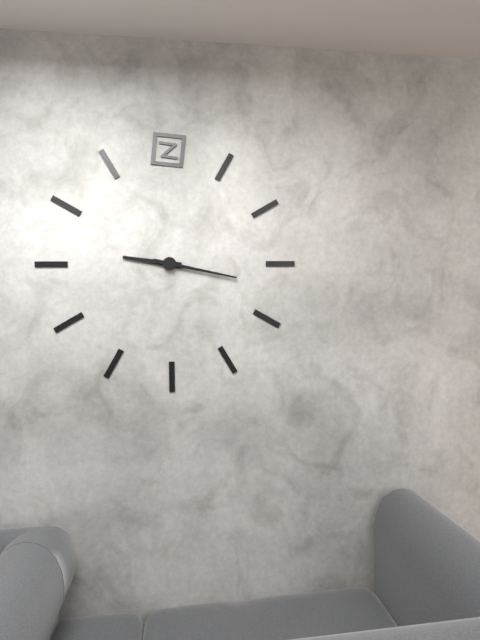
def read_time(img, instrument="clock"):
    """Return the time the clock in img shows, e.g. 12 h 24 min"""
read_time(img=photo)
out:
9 h 17 min
